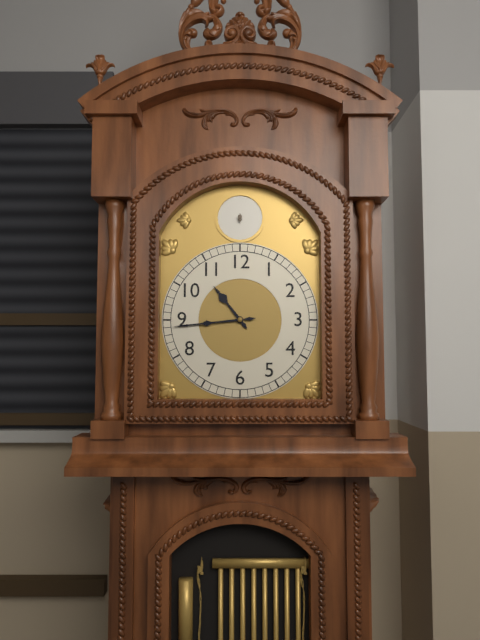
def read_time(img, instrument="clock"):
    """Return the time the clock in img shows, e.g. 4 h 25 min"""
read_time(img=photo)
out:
10 h 44 min
